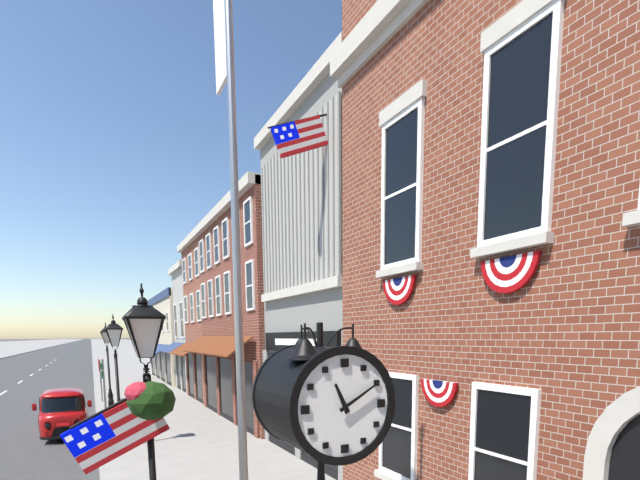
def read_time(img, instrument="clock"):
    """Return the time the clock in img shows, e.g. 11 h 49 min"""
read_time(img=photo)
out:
11 h 10 min
